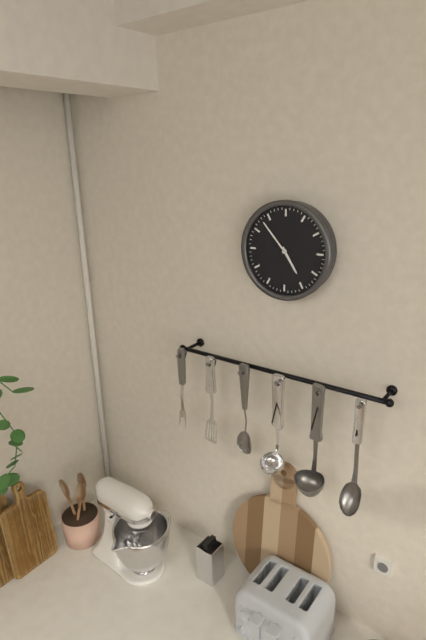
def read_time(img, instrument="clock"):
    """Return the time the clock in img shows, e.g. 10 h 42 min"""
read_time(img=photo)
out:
4 h 53 min
